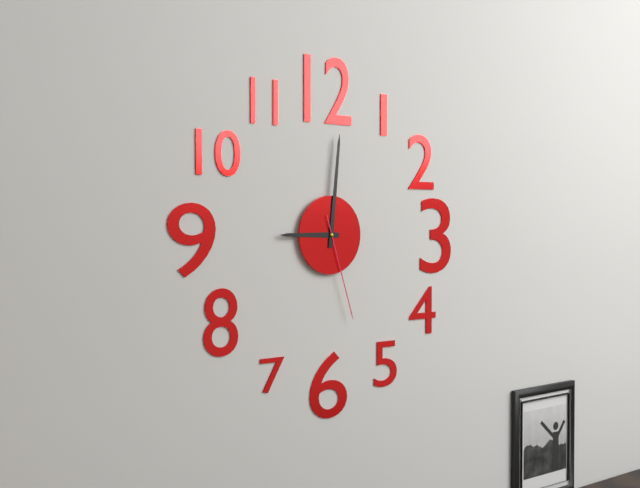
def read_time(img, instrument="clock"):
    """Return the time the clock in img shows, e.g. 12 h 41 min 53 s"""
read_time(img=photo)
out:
9 h 01 min 27 s
